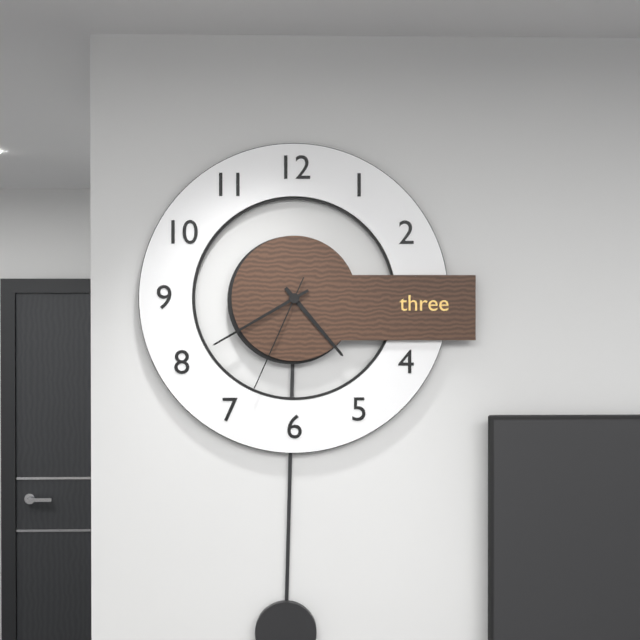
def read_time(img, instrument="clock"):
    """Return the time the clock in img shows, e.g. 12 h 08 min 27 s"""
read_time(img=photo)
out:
4 h 40 min 34 s
